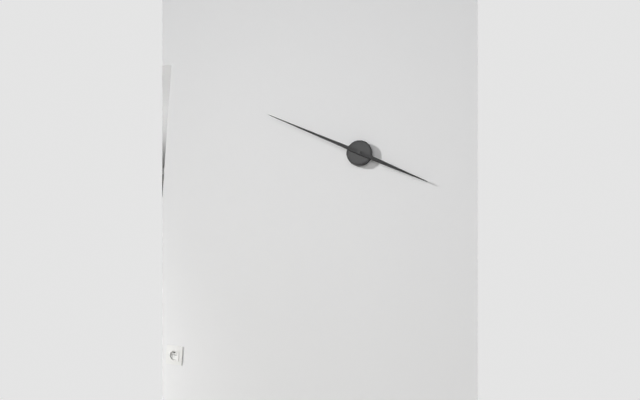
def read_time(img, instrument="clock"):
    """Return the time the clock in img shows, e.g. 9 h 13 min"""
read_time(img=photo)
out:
3 h 49 min
